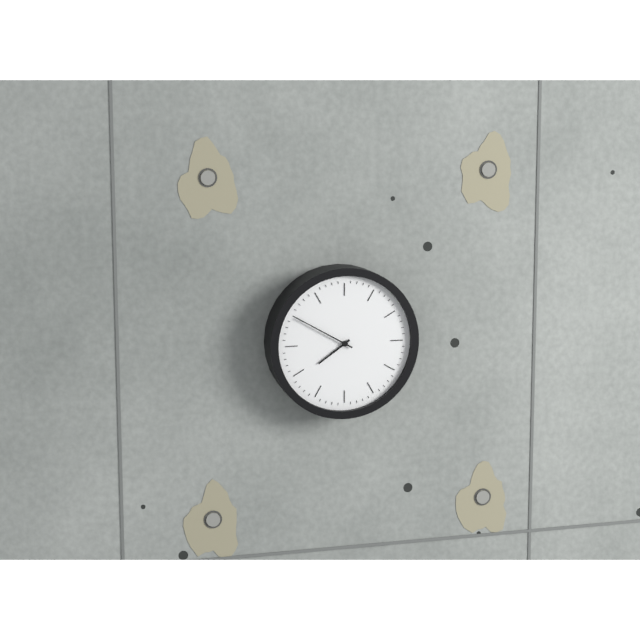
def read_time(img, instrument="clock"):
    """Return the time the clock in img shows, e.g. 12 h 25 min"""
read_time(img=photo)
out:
7 h 50 min
